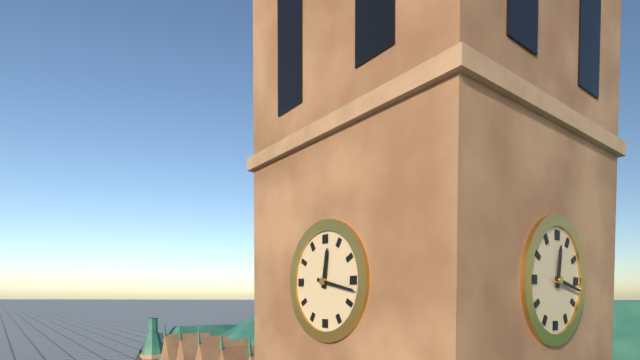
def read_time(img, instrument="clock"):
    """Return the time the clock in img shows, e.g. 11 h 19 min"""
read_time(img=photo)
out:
12 h 17 min
